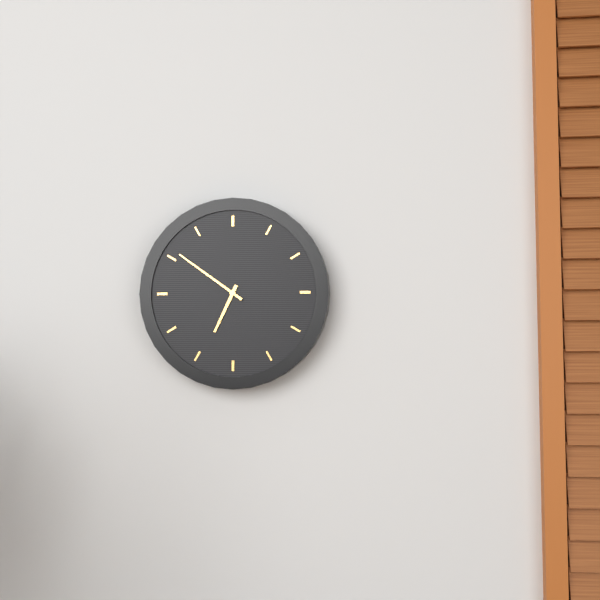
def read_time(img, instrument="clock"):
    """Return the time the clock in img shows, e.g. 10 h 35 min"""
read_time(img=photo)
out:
6 h 51 min
